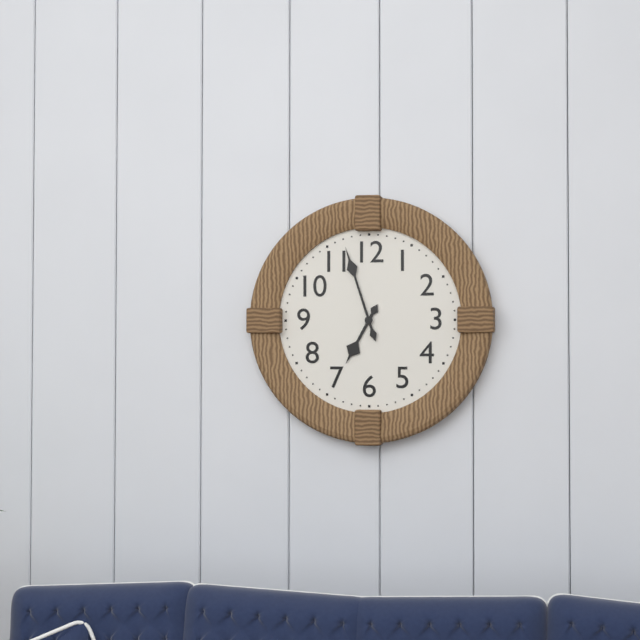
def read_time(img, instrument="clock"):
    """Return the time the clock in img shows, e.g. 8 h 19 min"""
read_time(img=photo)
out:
6 h 57 min
